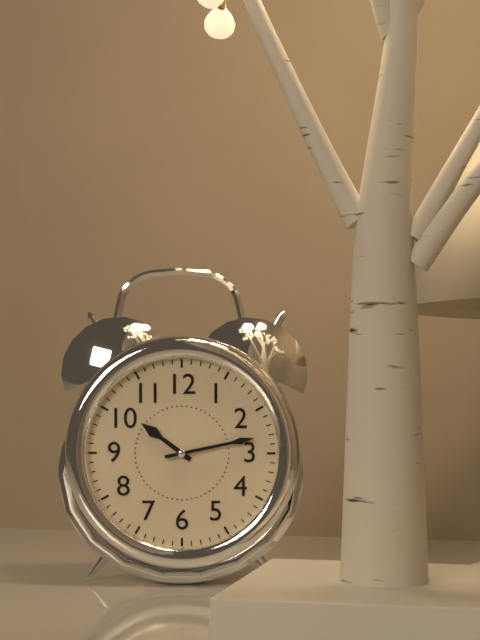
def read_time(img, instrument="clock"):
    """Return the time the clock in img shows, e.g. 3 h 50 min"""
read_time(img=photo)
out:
10 h 13 min
